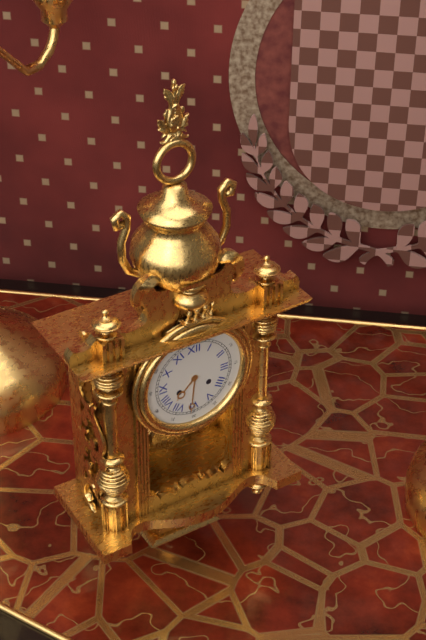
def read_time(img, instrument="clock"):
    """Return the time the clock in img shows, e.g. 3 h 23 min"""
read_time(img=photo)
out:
7 h 31 min
